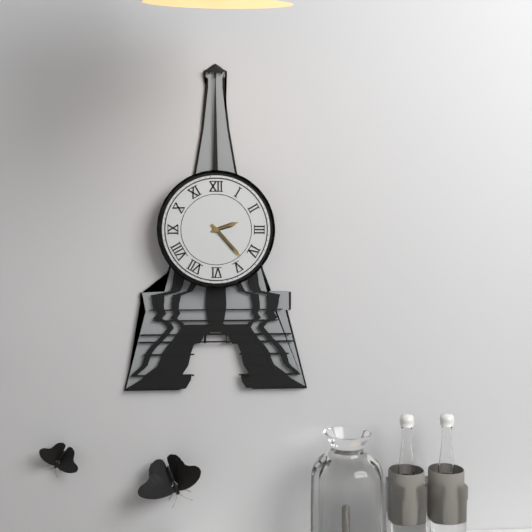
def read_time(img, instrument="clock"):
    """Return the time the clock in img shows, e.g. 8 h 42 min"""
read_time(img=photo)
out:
2 h 23 min
